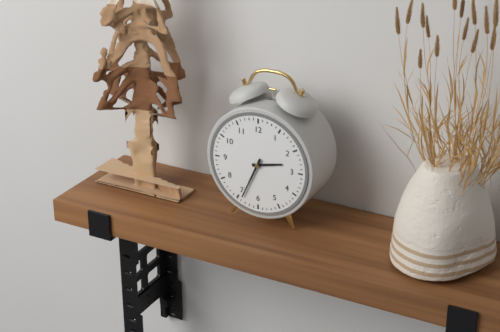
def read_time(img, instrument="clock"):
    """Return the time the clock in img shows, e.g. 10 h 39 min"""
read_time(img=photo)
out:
2 h 34 min
